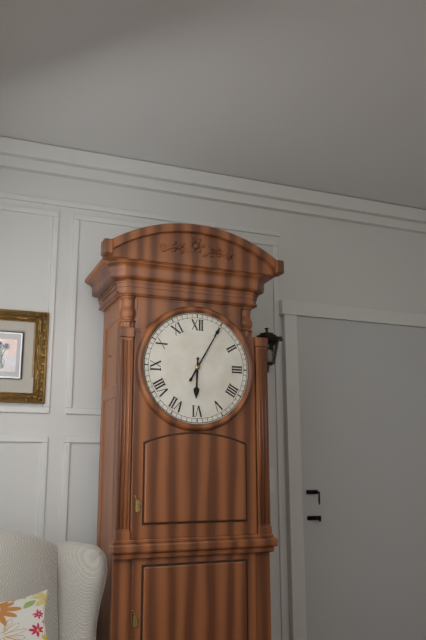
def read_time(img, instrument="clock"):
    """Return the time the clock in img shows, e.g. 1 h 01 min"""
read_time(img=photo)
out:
6 h 05 min
